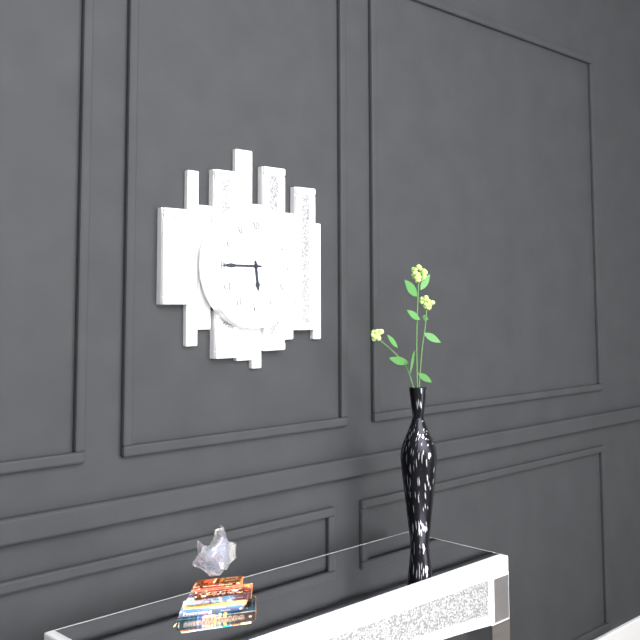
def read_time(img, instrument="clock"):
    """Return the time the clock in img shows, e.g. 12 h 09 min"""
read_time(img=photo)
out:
5 h 45 min
